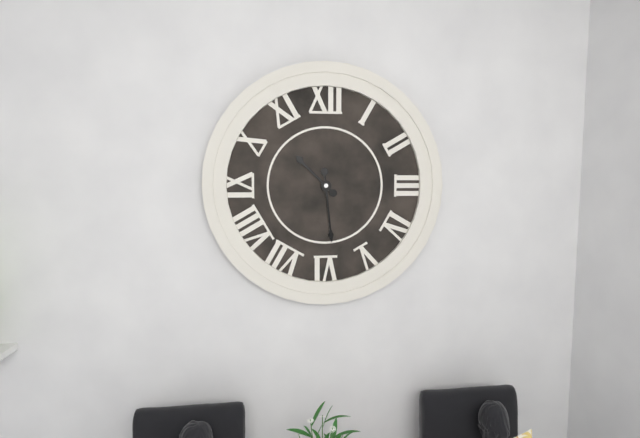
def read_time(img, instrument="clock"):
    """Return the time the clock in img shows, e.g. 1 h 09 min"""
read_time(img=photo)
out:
10 h 29 min
